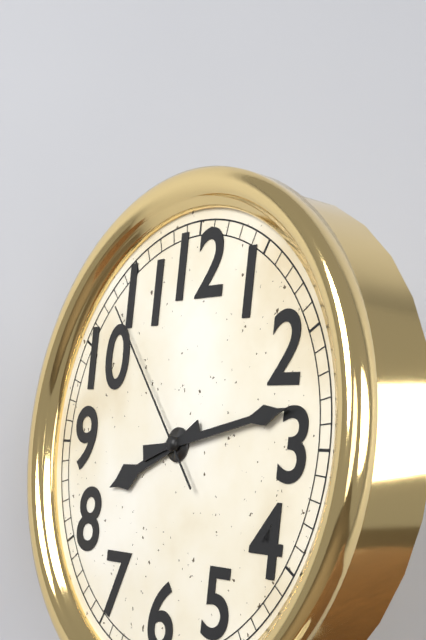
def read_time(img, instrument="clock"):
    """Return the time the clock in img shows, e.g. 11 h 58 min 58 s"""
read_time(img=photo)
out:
8 h 13 min 53 s
